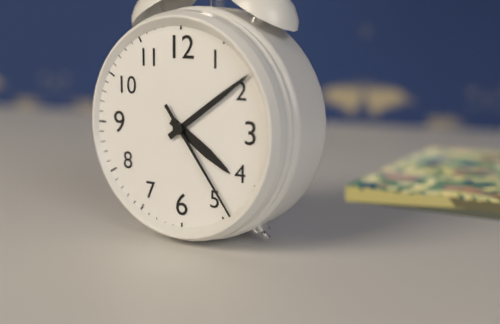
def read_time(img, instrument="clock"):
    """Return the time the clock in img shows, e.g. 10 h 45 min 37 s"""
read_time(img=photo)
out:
4 h 09 min 24 s
